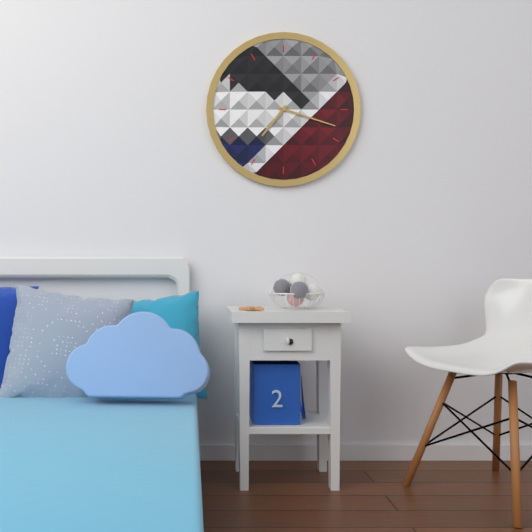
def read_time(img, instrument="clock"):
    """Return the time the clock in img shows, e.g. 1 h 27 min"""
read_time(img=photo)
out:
7 h 18 min
